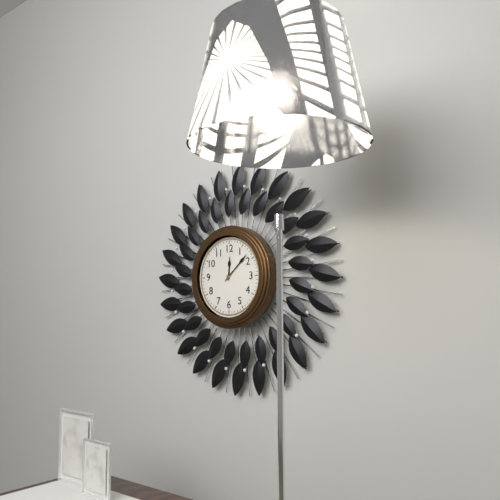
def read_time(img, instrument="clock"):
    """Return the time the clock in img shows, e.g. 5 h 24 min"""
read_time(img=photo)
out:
12 h 08 min
